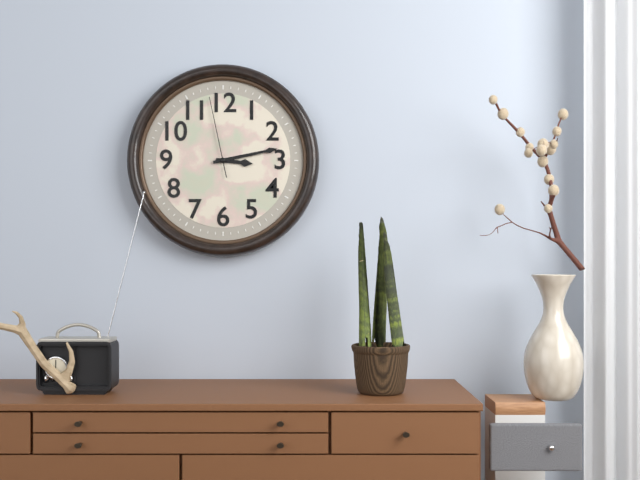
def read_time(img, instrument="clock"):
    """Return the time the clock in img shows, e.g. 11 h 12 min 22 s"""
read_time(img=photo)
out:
3 h 13 min 58 s
